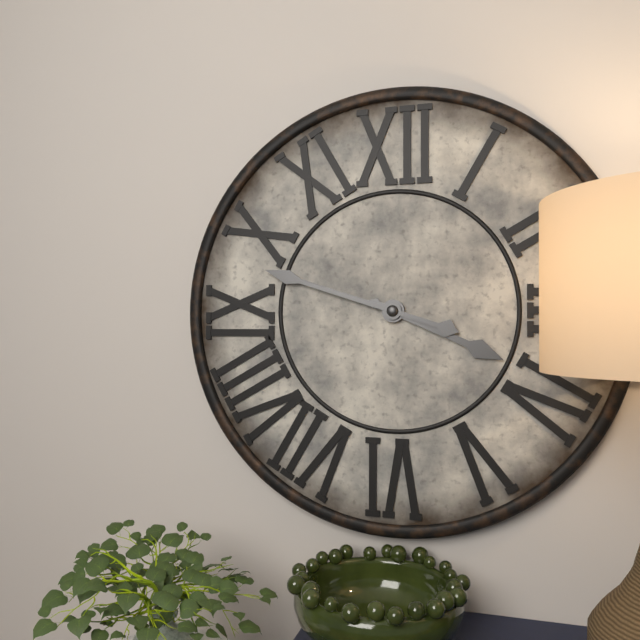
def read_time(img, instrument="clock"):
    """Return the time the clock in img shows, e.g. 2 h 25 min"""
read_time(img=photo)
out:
3 h 48 min
